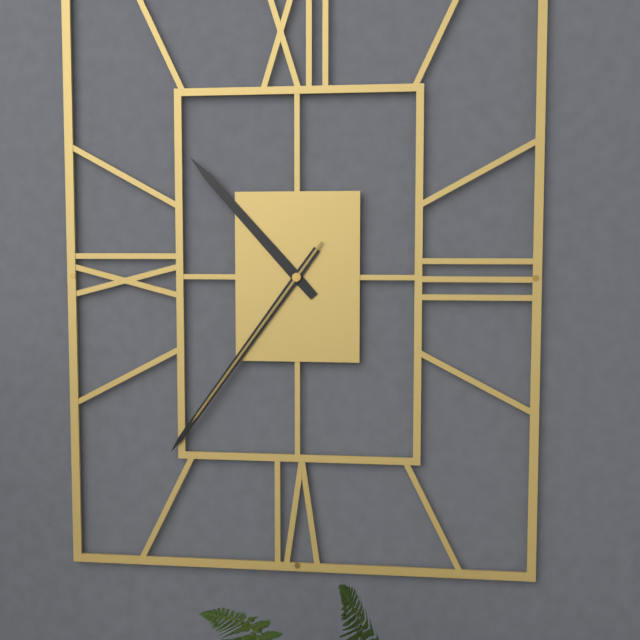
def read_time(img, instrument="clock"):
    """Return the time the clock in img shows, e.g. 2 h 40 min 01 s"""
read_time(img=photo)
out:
10 h 36 min 36 s
